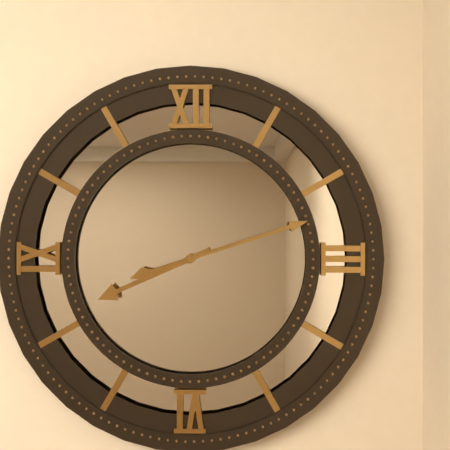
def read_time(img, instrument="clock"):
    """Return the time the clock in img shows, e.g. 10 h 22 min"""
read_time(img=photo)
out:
8 h 12 min
